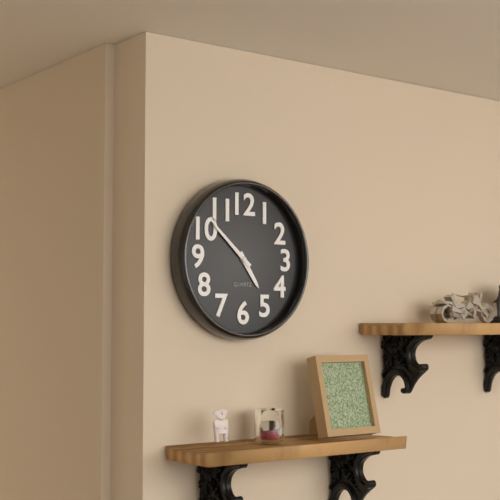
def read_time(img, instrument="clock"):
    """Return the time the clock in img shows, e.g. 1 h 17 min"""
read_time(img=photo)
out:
4 h 52 min
